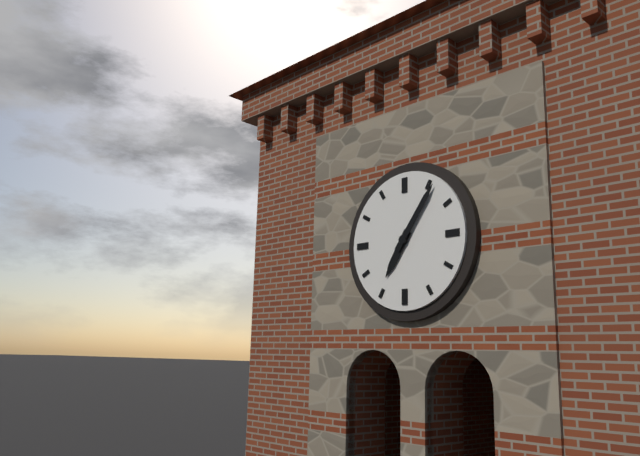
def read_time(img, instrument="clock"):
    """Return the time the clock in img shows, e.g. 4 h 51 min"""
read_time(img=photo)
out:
7 h 06 min
